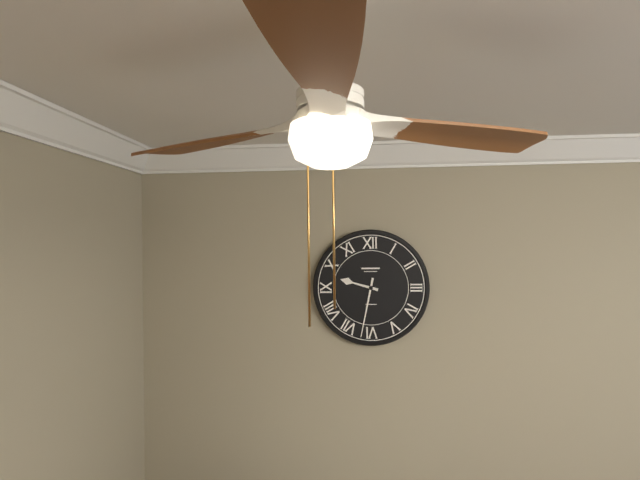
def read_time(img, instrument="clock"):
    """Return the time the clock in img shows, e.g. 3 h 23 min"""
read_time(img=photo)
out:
9 h 32 min
